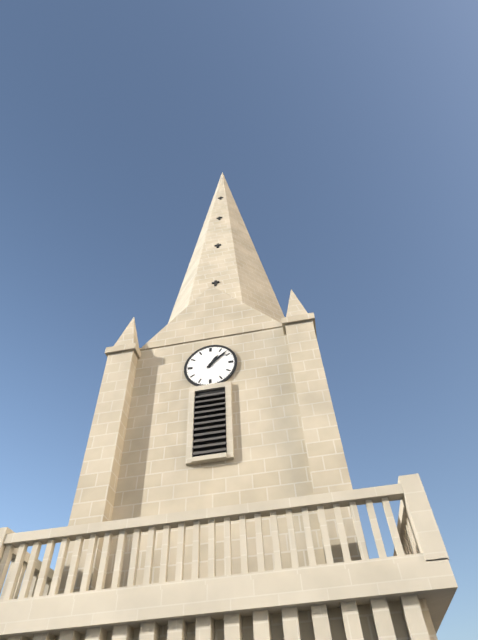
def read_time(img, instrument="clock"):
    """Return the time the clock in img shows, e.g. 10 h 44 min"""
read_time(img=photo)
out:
1 h 08 min
